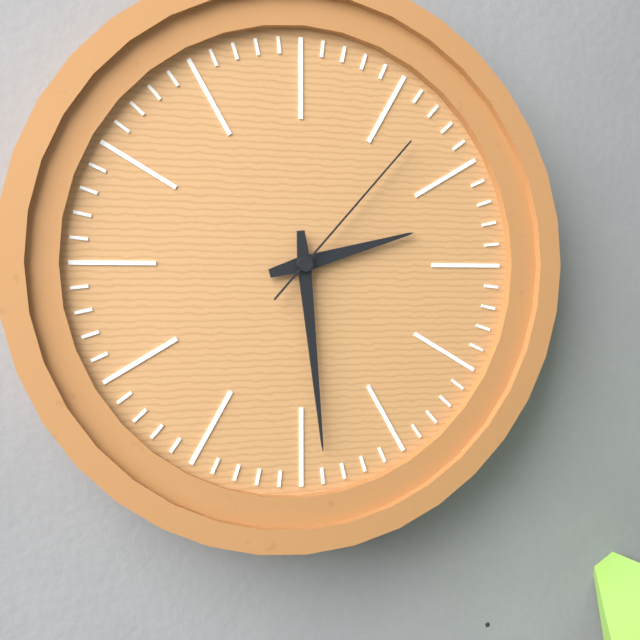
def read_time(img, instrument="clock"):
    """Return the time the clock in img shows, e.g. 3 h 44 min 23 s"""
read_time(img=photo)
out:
2 h 29 min 07 s
